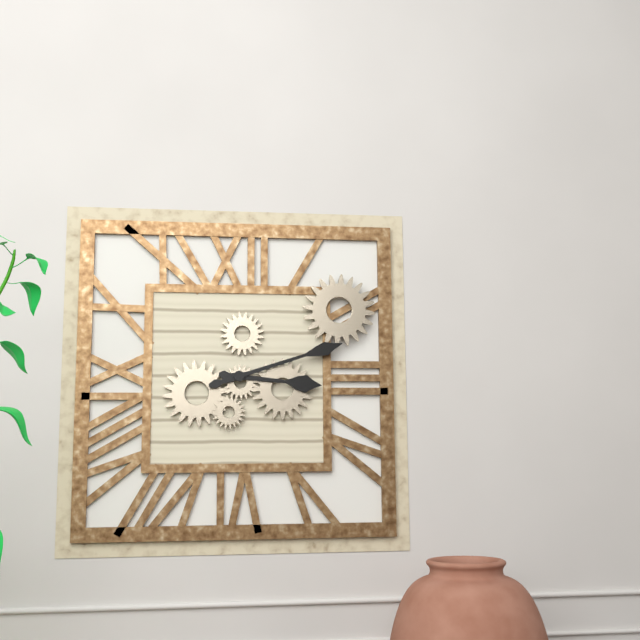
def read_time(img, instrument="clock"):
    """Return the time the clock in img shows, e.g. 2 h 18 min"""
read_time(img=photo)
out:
3 h 12 min
